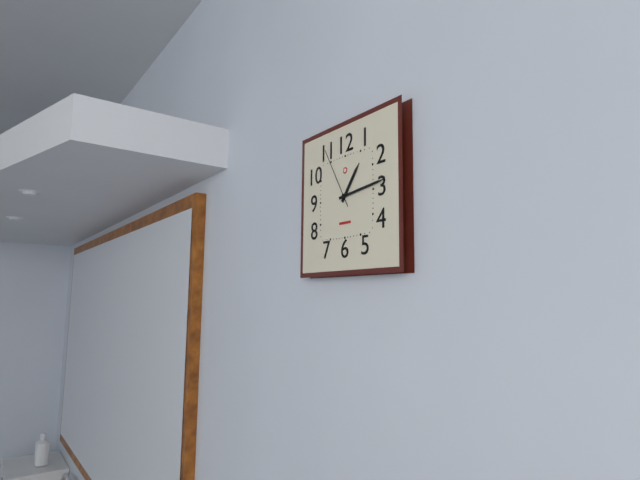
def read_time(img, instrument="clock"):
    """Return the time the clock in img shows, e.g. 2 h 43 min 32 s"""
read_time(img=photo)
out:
1 h 14 min 55 s
